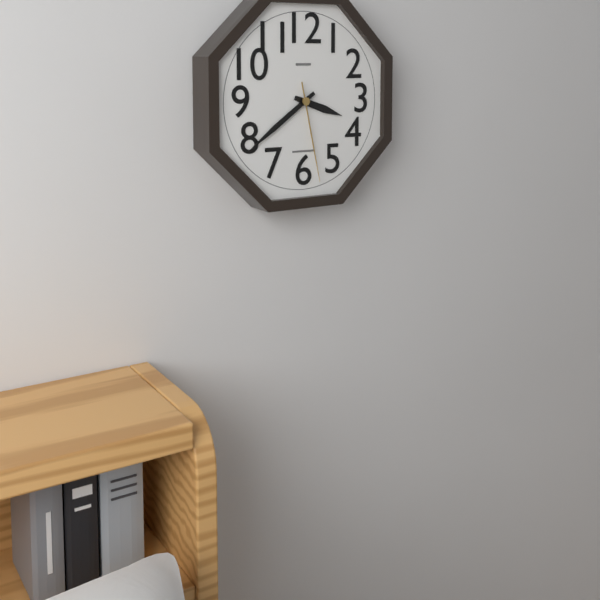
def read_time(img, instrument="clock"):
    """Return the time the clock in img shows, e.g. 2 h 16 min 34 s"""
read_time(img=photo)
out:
3 h 39 min 28 s
